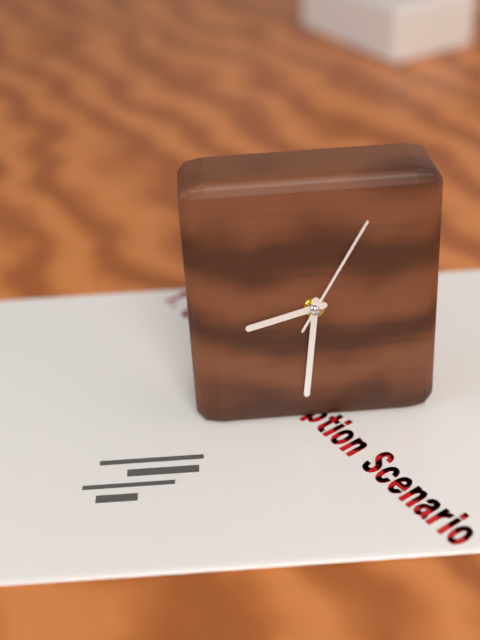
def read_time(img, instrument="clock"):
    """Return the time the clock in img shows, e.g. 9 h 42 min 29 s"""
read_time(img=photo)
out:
8 h 31 min 05 s
